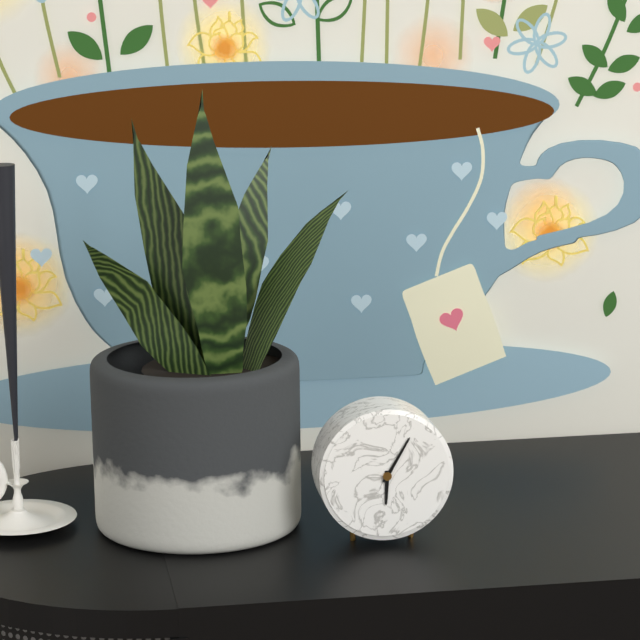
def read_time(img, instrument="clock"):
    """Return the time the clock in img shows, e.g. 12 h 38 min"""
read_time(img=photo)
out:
6 h 05 min
